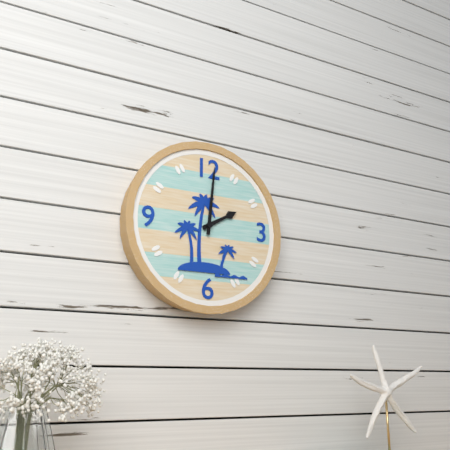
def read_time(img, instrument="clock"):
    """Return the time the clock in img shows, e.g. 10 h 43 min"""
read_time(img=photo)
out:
2 h 01 min
